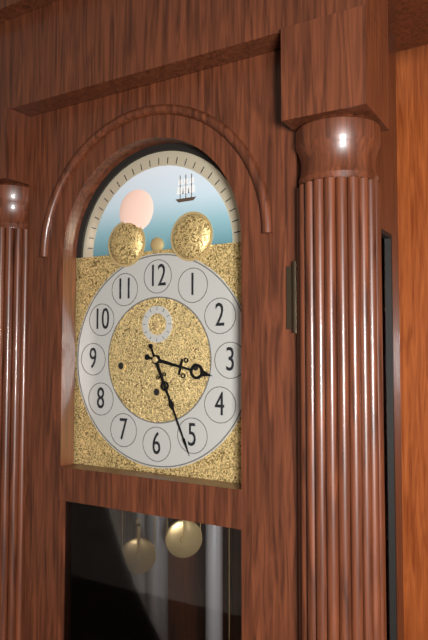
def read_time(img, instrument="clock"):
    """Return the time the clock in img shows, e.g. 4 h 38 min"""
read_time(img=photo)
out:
3 h 26 min
